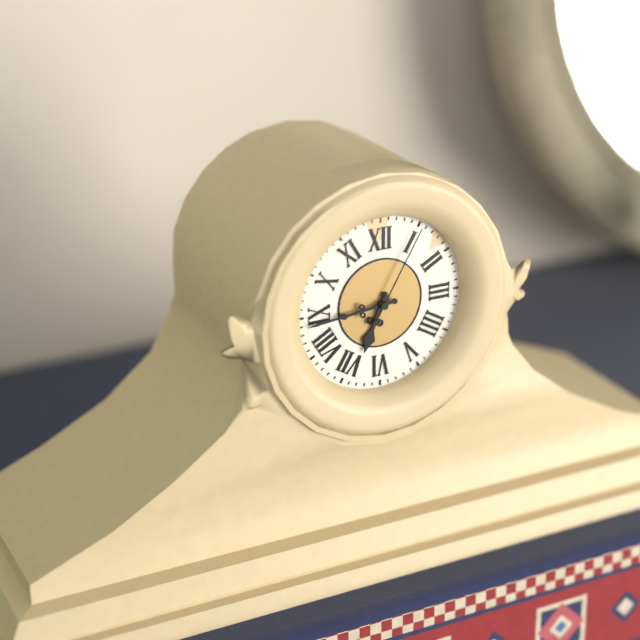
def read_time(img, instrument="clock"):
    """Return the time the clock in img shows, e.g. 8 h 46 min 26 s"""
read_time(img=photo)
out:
6 h 44 min 05 s
